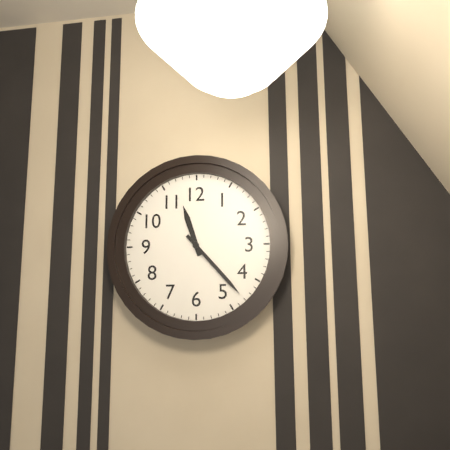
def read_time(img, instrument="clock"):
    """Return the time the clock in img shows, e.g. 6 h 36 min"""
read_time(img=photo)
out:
11 h 23 min
